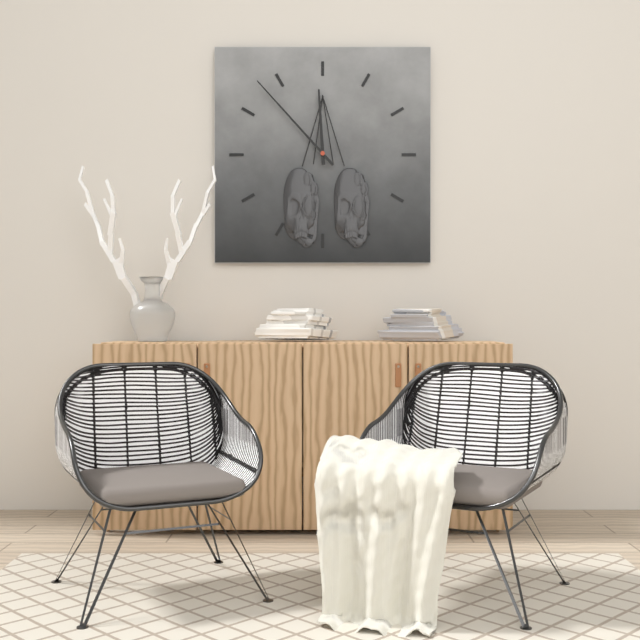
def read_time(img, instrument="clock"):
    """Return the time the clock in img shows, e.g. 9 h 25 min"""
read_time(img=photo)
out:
11 h 53 min
